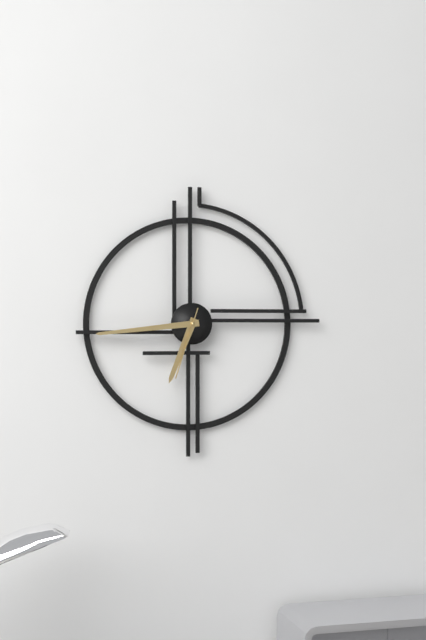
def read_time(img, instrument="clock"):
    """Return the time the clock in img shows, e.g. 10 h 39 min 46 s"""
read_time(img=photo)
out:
6 h 44 min 33 s
